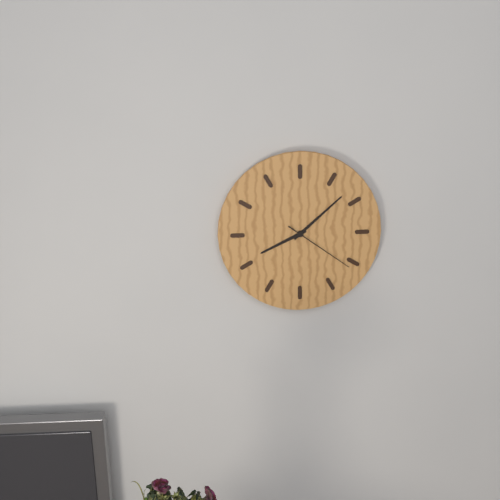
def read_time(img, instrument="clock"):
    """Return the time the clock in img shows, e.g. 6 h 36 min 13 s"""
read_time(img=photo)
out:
8 h 08 min 21 s
